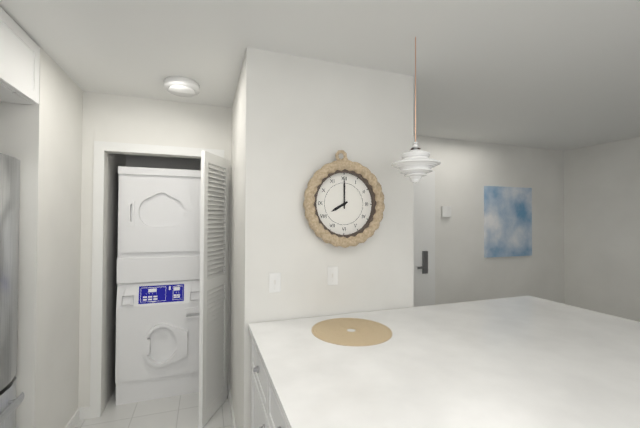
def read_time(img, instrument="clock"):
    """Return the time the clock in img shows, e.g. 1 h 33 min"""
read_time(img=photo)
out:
8 h 00 min
